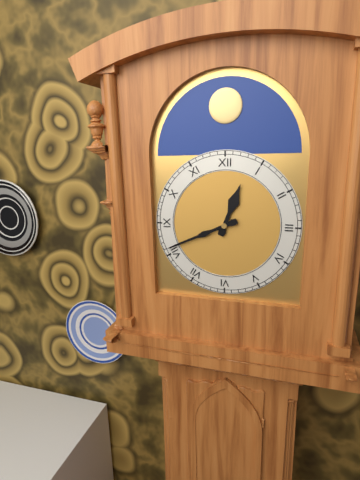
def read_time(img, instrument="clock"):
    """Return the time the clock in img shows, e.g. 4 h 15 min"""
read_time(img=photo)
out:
12 h 41 min
